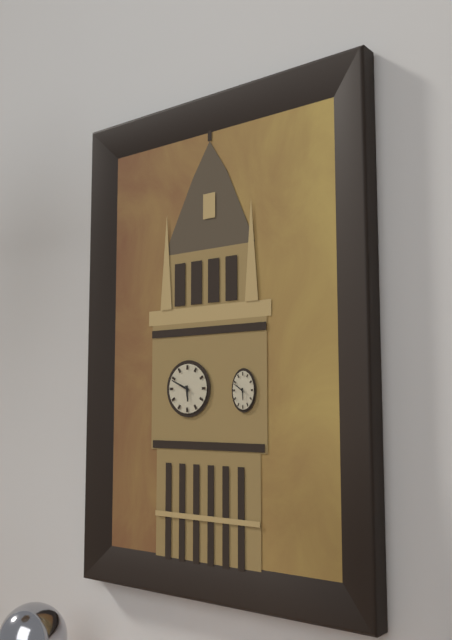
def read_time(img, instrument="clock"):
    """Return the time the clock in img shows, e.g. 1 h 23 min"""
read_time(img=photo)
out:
5 h 49 min
